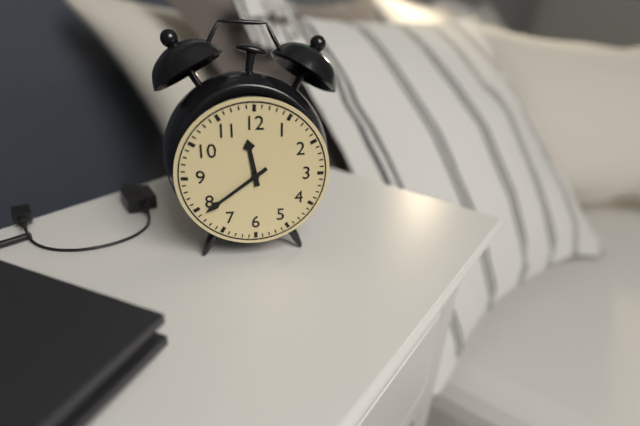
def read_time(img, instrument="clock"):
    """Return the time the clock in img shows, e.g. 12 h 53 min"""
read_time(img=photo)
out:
11 h 39 min
